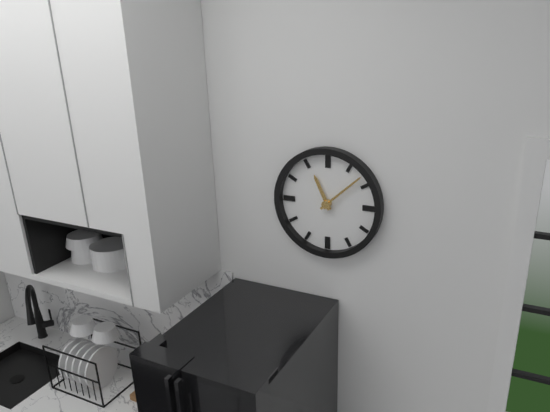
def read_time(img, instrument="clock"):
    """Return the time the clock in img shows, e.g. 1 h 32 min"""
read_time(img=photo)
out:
11 h 08 min
